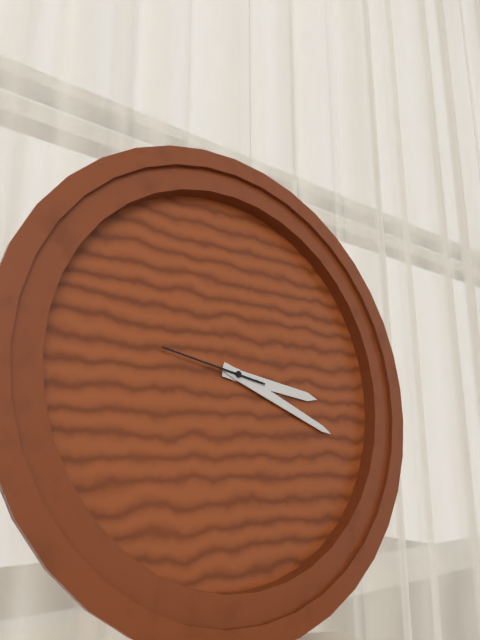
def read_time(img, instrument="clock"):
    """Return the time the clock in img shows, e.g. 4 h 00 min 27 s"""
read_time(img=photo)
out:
3 h 19 min 47 s
